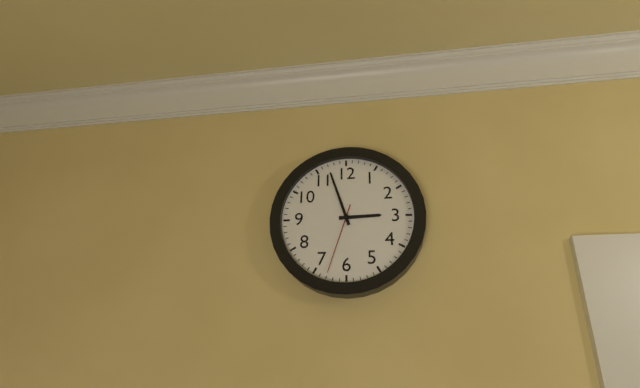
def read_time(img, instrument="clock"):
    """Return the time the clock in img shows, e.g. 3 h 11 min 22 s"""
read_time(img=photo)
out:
2 h 57 min 33 s
